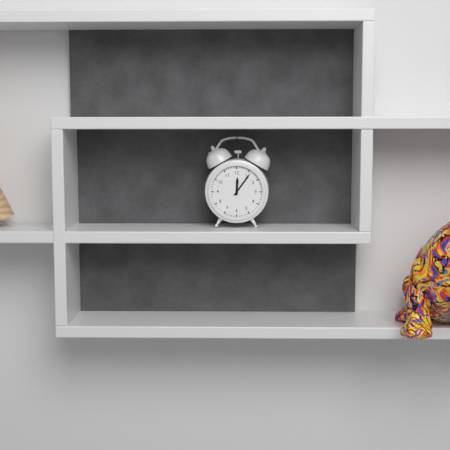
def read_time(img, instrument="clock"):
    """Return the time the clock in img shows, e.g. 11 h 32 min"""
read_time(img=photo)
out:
12 h 06 min
